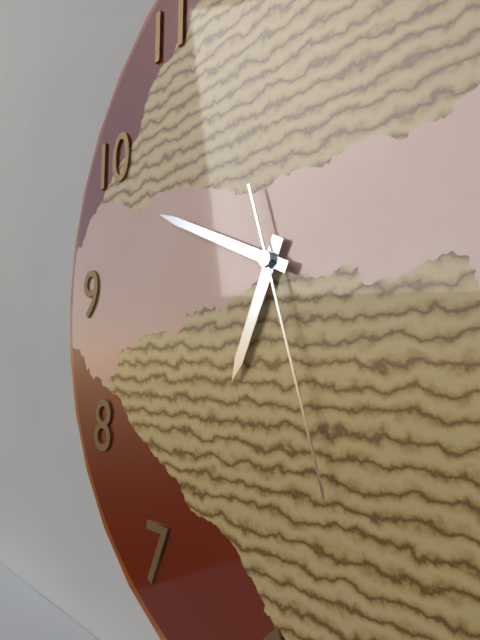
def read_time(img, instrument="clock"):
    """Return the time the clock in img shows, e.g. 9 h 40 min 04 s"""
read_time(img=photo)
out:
6 h 49 min 27 s
